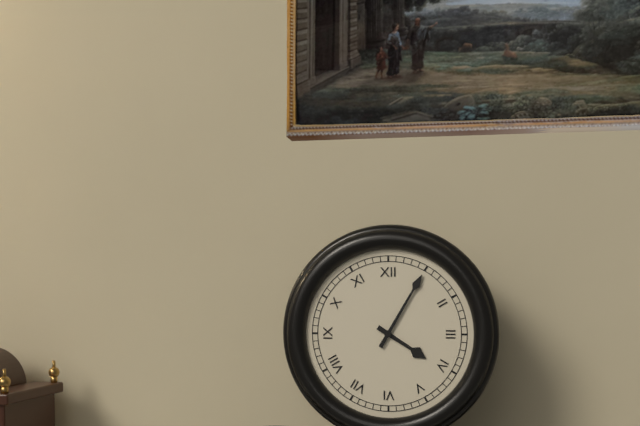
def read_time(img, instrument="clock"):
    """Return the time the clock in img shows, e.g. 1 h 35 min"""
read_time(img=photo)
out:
4 h 05 min
